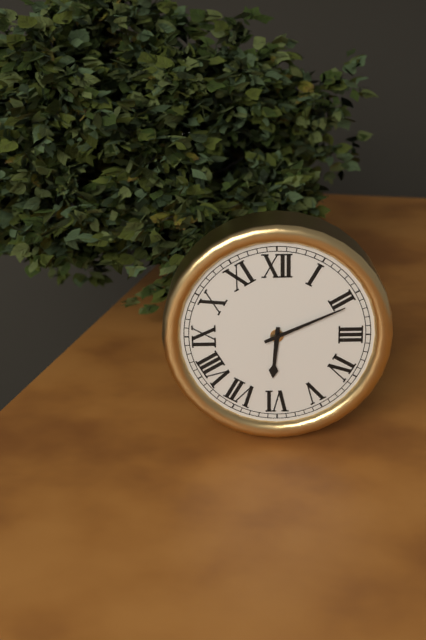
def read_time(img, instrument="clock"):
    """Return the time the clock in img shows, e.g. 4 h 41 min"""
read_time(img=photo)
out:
6 h 11 min
